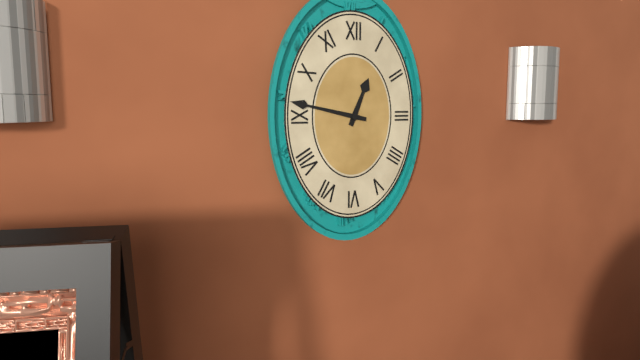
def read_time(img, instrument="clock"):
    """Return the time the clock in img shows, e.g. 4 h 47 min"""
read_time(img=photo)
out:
12 h 47 min
